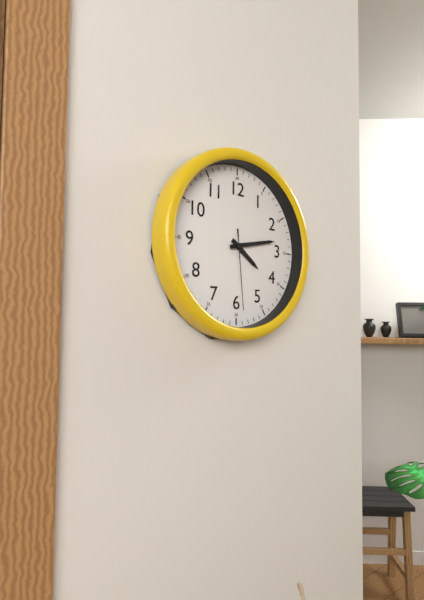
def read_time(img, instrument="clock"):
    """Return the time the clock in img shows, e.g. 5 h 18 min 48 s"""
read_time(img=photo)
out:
4 h 13 min 29 s
